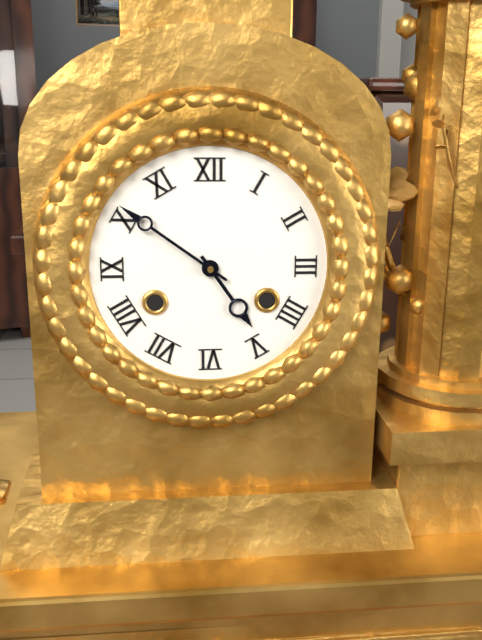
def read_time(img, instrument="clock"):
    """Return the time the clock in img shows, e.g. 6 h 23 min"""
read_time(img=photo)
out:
4 h 51 min
